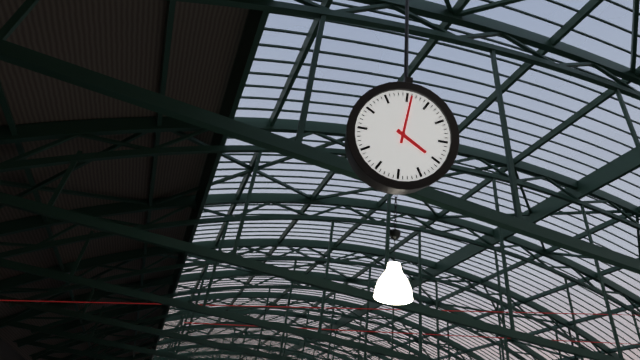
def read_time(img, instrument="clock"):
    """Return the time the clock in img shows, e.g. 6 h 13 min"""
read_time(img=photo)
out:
4 h 01 min
